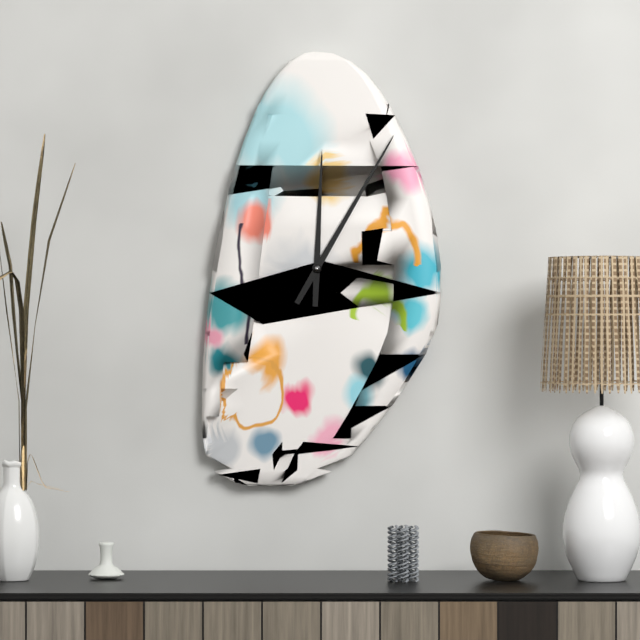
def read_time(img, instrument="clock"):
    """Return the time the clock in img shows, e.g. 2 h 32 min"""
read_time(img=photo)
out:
12 h 05 min
